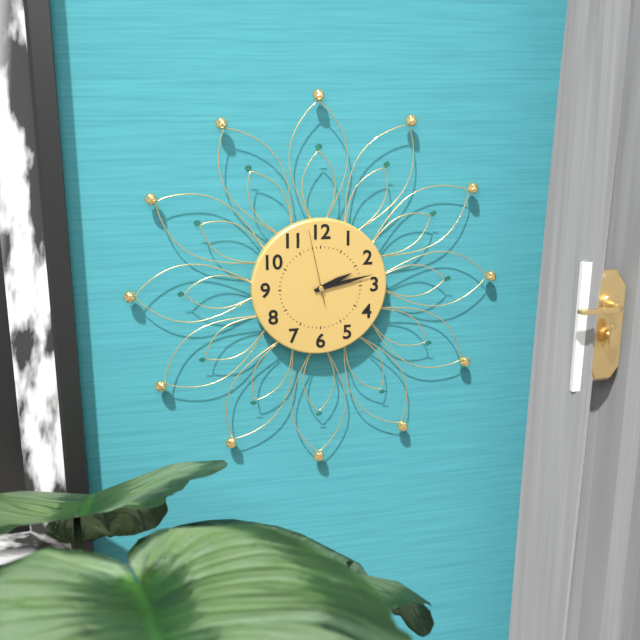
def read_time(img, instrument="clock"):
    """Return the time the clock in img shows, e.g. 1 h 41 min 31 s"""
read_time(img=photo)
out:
2 h 13 min 58 s
